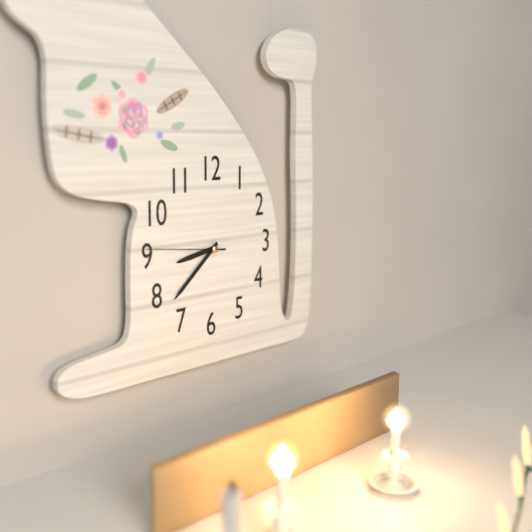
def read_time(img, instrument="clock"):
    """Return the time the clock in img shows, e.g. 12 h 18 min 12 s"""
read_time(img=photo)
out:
8 h 38 min 46 s
